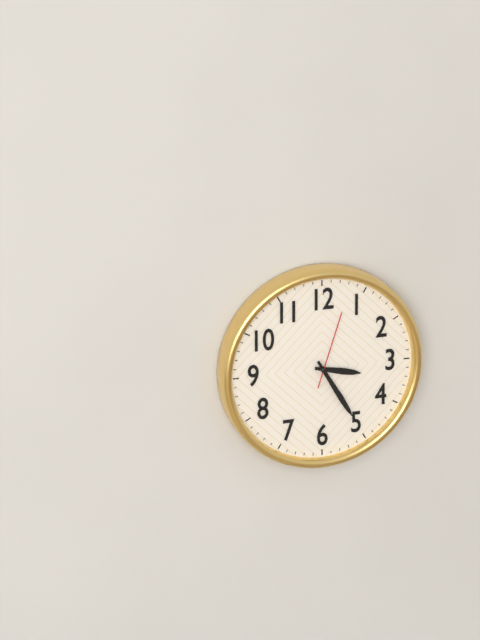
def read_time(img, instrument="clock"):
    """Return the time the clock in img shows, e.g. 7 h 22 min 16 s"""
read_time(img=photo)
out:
3 h 25 min 03 s
